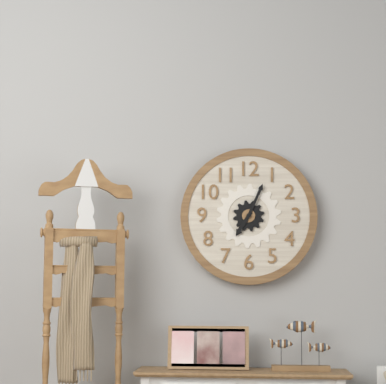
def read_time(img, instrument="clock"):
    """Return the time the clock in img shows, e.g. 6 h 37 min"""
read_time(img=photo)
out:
7 h 04 min
